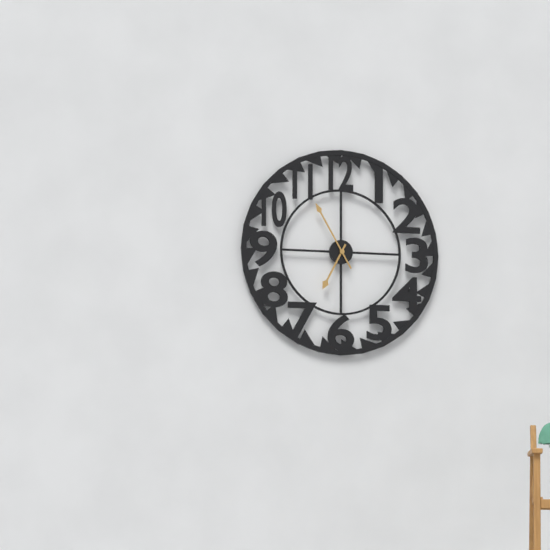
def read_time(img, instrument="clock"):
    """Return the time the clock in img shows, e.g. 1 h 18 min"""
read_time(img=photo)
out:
6 h 55 min
